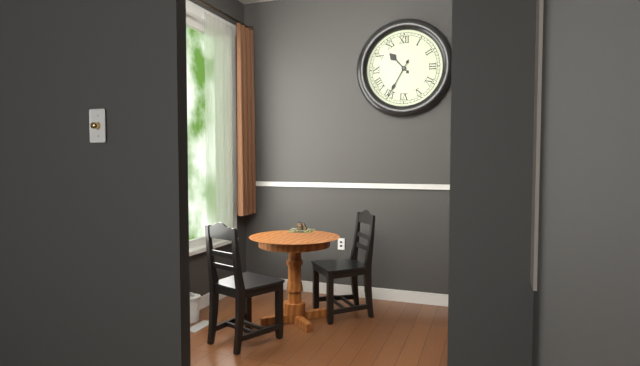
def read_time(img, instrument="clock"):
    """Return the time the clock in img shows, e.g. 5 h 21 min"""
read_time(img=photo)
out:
10 h 35 min
